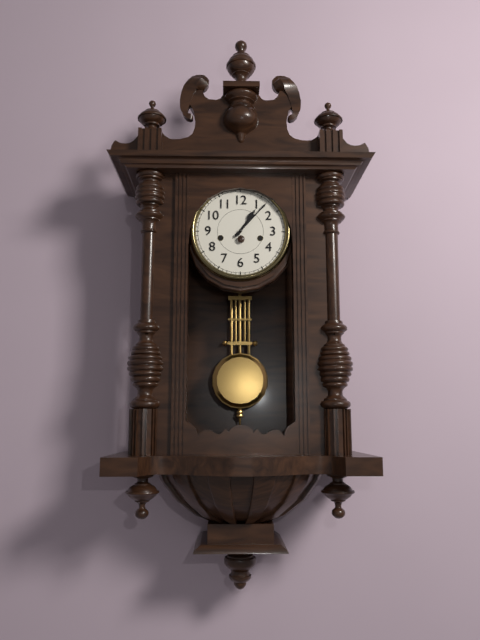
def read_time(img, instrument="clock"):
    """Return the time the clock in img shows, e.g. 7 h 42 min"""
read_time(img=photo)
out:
1 h 07 min
